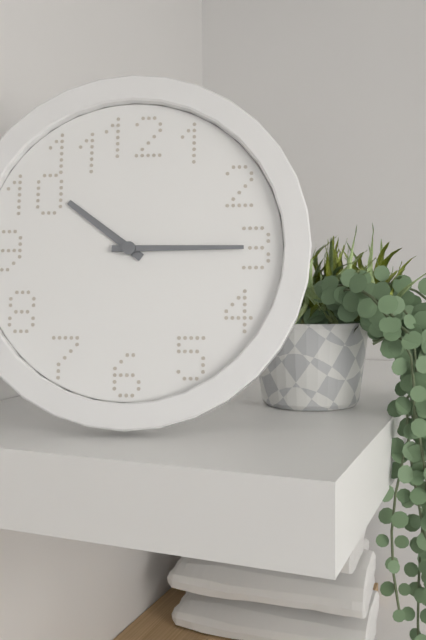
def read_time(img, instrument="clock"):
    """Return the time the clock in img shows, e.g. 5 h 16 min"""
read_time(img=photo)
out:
10 h 15 min
